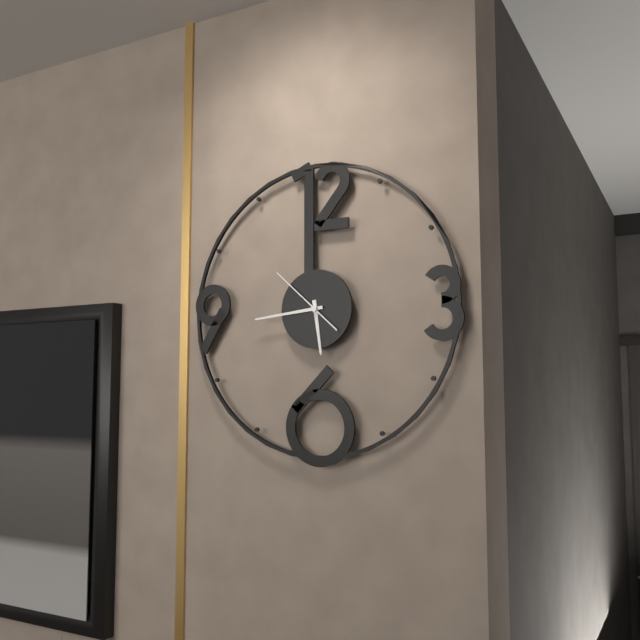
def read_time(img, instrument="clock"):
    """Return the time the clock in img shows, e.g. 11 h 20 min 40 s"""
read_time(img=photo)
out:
5 h 44 min 52 s
